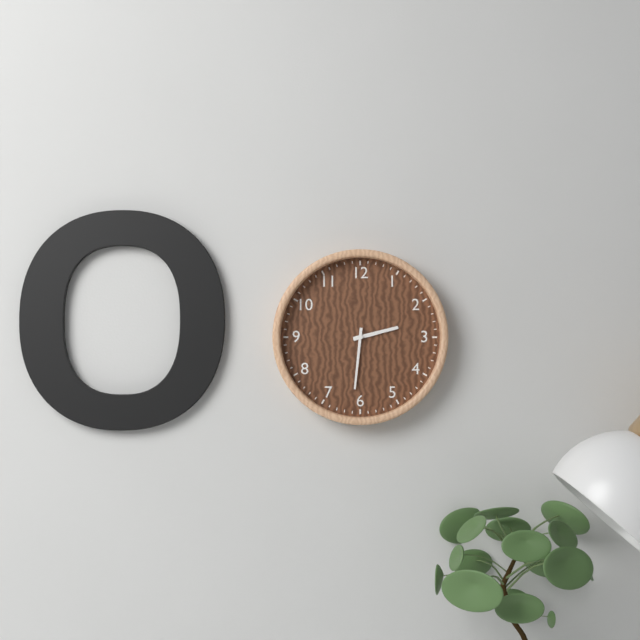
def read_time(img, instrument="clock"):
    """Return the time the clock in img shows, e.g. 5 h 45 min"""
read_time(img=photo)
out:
2 h 31 min
